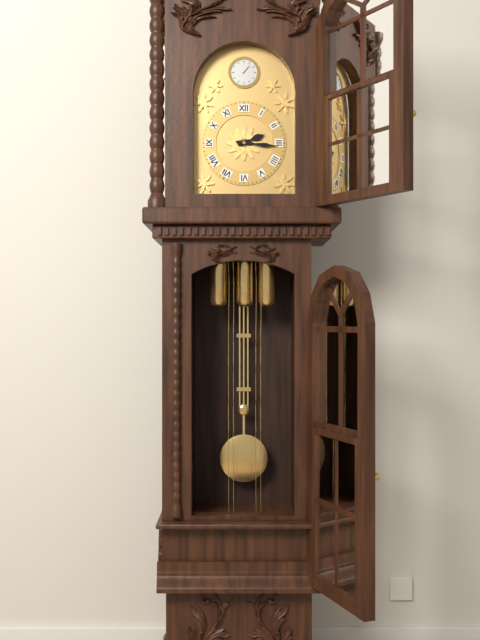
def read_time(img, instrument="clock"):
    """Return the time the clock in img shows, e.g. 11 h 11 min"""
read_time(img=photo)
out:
2 h 16 min
